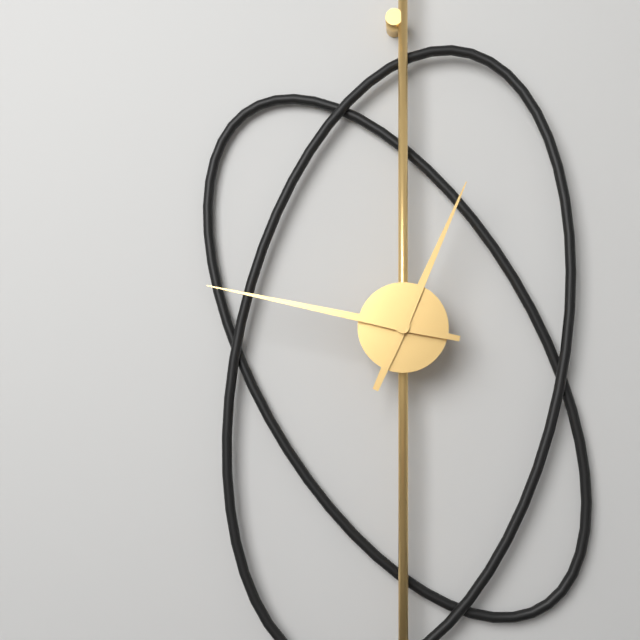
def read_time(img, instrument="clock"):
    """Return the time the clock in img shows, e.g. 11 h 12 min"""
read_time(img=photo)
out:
12 h 47 min
